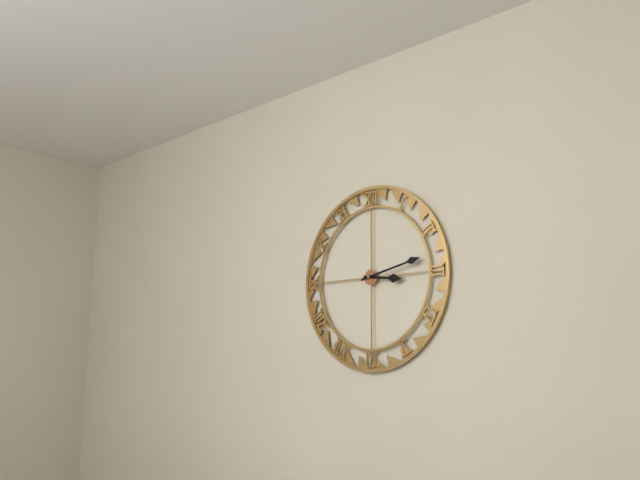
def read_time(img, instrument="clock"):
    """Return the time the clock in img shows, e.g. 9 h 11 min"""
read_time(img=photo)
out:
3 h 13 min
